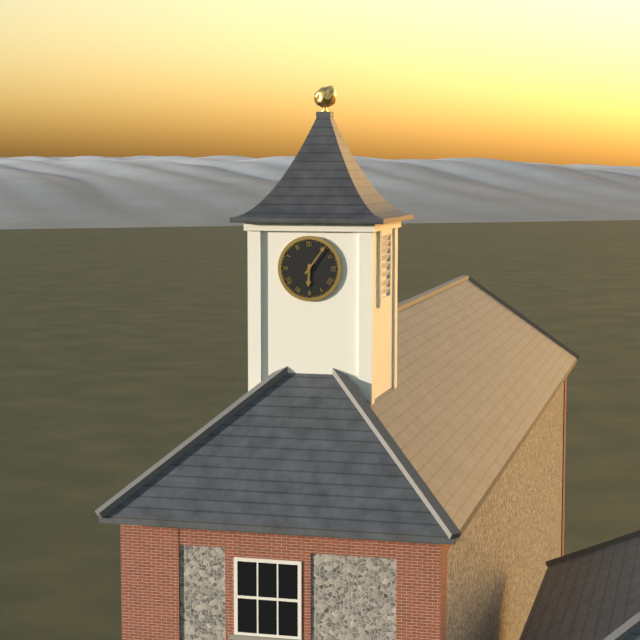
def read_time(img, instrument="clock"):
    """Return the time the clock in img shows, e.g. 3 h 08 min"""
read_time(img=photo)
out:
6 h 06 min
